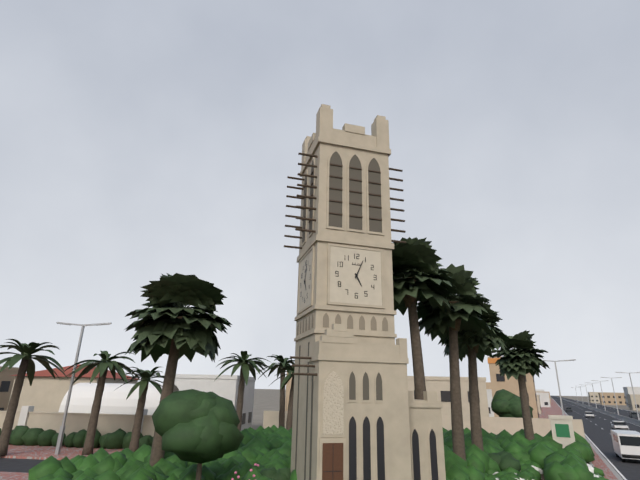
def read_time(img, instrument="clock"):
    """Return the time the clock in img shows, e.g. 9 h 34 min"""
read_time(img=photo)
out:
5 h 04 min
